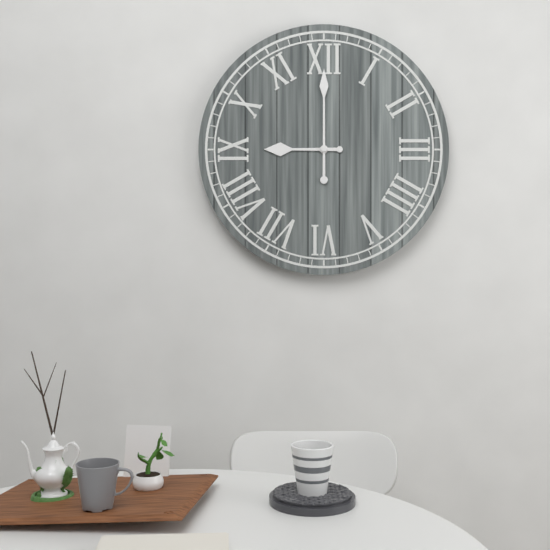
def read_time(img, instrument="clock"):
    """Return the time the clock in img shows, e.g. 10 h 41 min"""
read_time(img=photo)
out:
9 h 00 min
